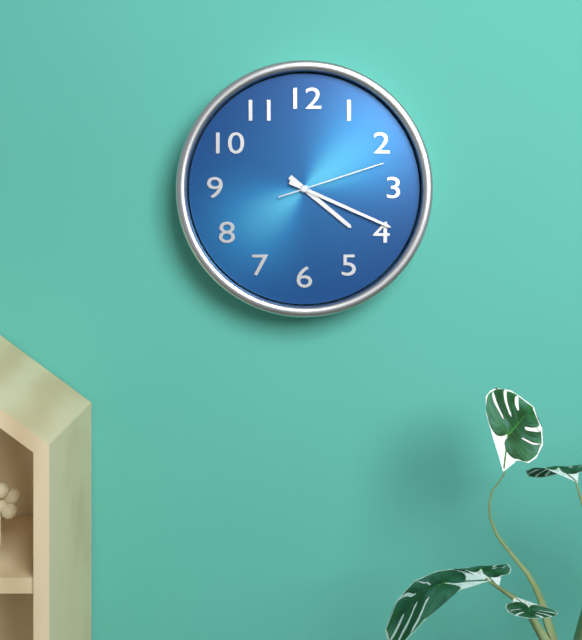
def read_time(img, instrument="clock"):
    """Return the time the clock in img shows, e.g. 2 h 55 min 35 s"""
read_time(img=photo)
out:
4 h 19 min 12 s
